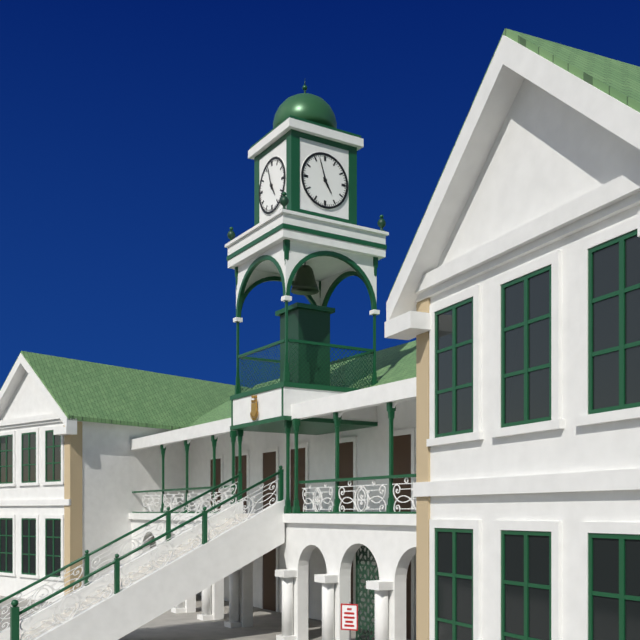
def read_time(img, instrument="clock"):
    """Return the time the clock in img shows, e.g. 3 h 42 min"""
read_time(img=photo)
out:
4 h 57 min
